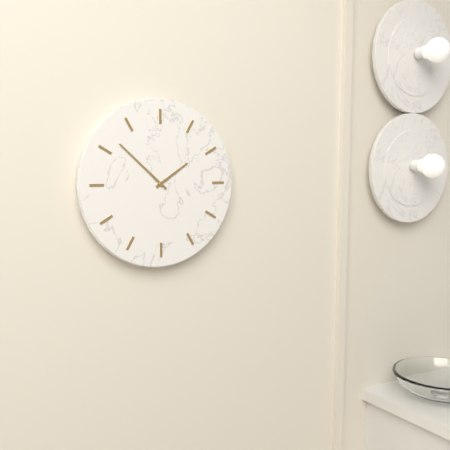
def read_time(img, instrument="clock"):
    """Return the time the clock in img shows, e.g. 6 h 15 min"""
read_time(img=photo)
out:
1 h 52 min
